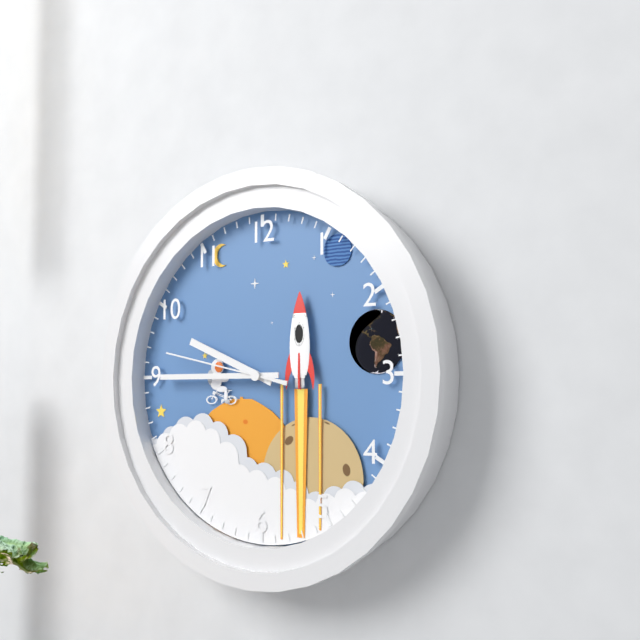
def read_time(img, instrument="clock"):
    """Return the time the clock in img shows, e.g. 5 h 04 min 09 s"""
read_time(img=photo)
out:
9 h 45 min 47 s
